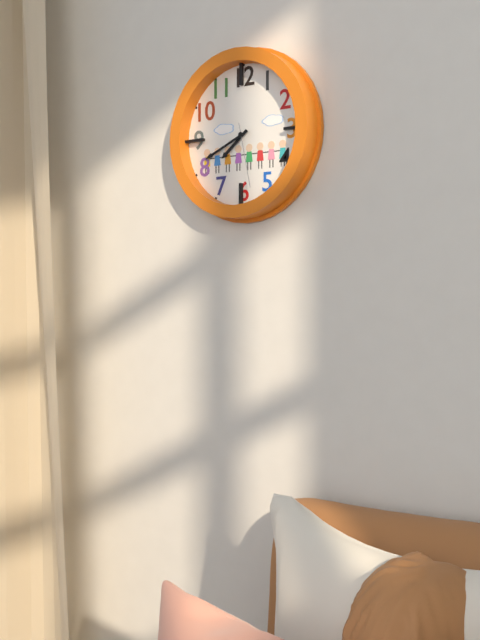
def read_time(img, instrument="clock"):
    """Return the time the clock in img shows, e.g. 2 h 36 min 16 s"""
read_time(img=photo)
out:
7 h 41 min 28 s
